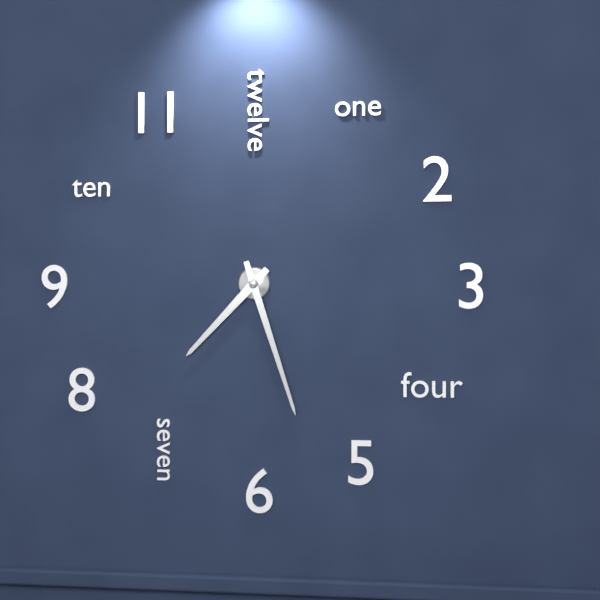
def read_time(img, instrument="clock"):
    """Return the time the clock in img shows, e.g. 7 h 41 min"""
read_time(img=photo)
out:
7 h 27 min
